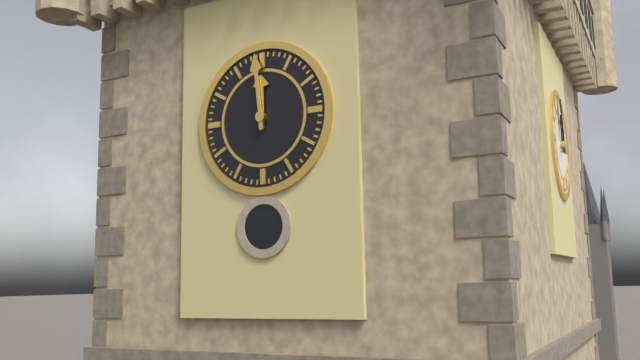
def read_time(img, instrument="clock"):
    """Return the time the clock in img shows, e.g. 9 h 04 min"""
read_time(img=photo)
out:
11 h 59 min
